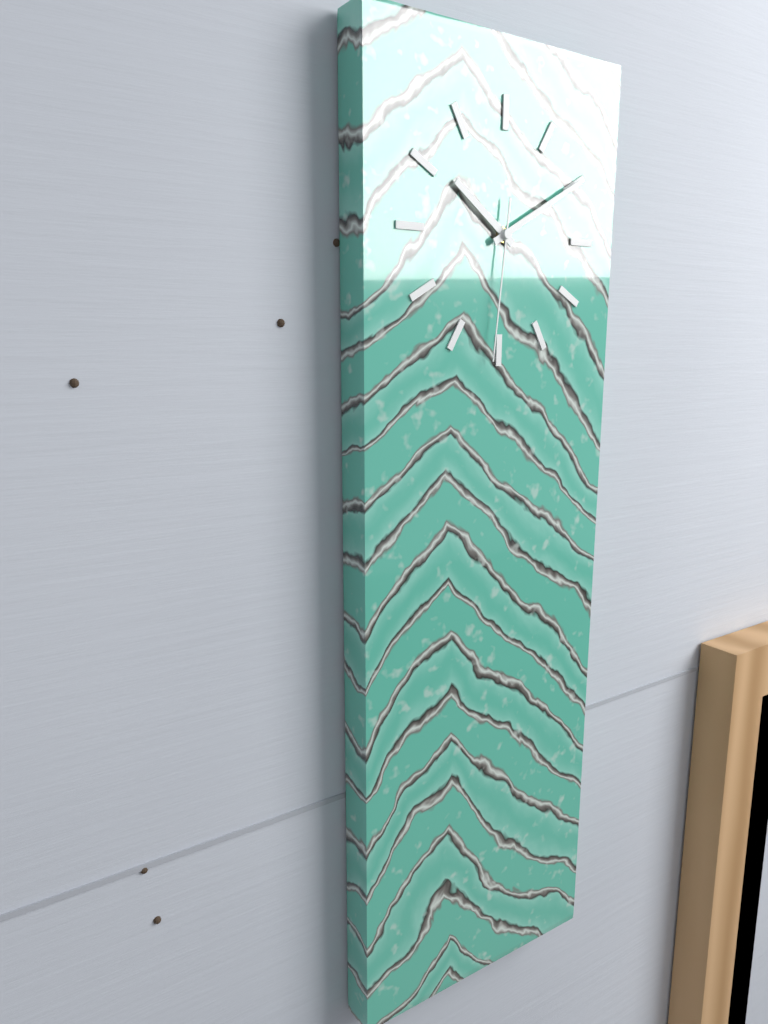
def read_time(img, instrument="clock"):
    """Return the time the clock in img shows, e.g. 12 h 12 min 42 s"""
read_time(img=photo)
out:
10 h 10 min 31 s
